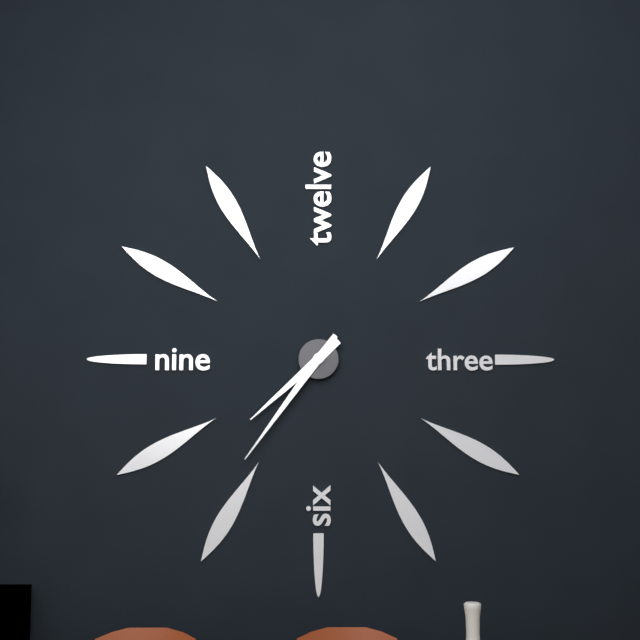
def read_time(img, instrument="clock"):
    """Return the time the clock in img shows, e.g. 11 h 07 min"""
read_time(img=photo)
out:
7 h 36 min
